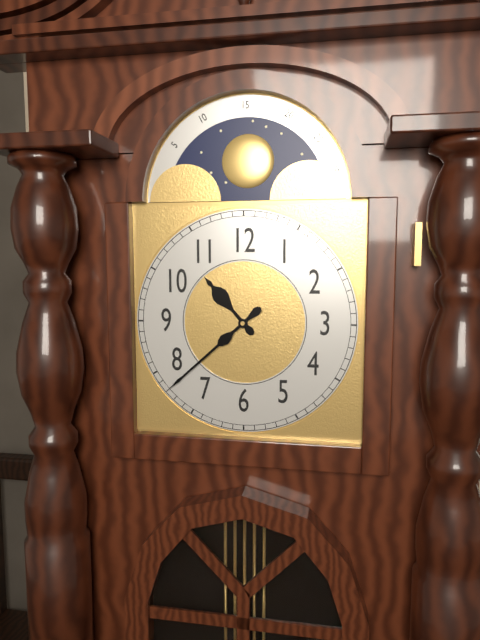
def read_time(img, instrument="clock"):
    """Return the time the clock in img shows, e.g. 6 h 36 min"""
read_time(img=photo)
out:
10 h 38 min
